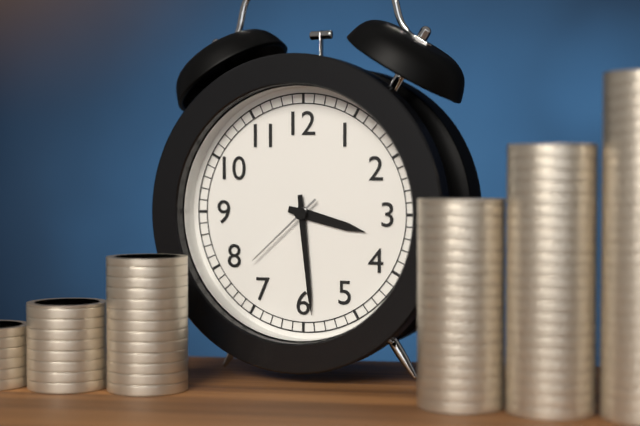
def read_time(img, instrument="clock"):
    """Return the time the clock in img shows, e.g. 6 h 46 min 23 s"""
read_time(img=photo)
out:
3 h 29 min 38 s
